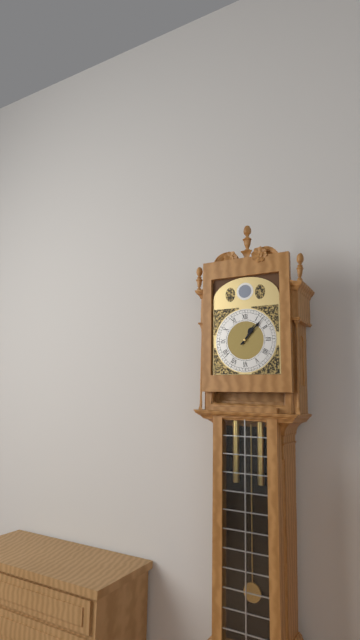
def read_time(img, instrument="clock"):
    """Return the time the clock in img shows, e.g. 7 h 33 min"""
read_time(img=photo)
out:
1 h 07 min
